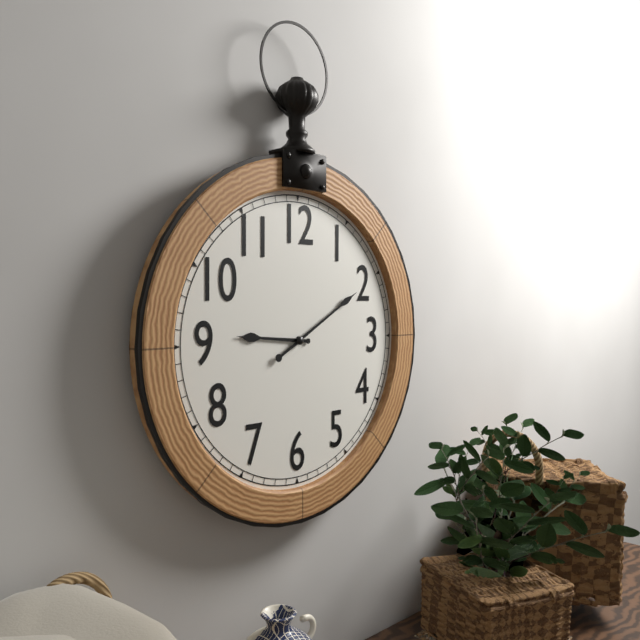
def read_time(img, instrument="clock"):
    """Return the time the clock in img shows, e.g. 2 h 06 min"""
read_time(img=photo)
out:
9 h 10 min
